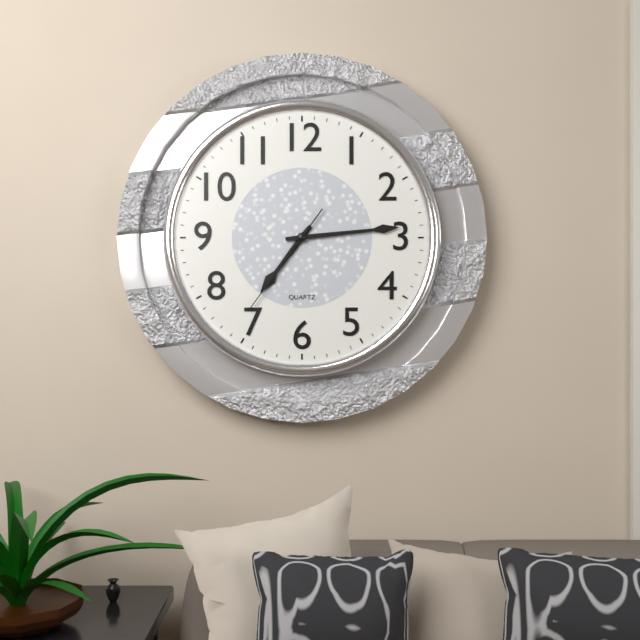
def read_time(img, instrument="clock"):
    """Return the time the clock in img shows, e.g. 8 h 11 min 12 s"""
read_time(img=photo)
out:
7 h 14 min 36 s
